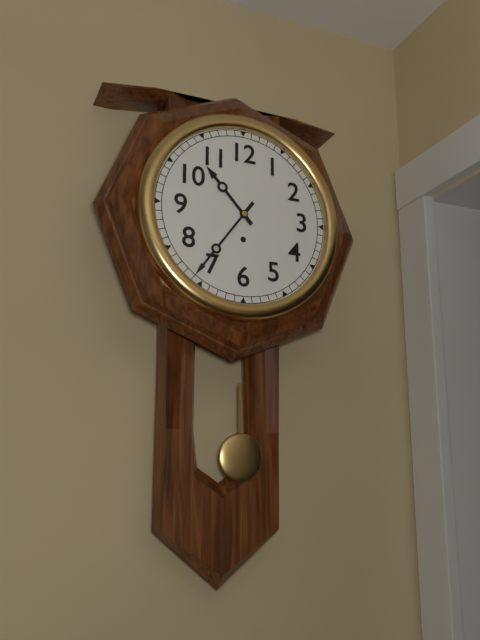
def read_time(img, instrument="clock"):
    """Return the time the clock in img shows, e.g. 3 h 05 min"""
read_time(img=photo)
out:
10 h 36 min
